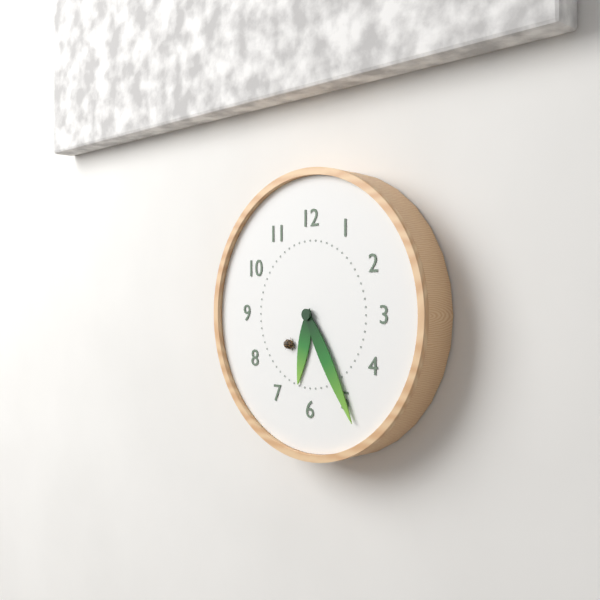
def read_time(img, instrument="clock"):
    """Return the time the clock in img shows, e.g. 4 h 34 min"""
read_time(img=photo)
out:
6 h 25 min
